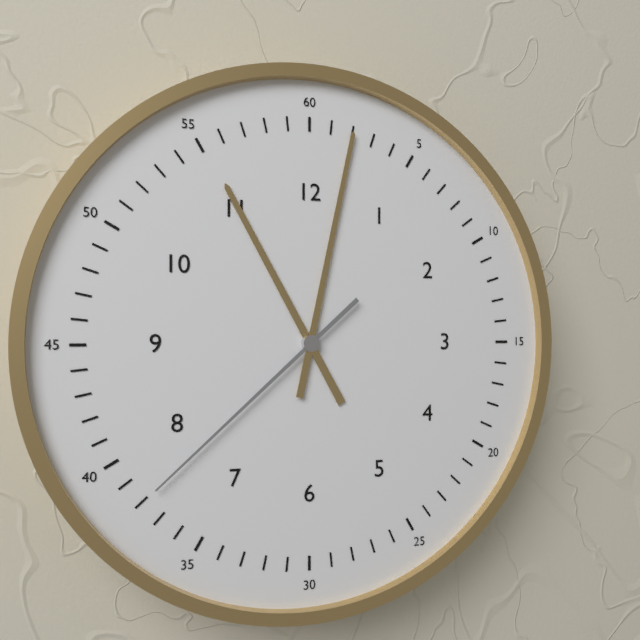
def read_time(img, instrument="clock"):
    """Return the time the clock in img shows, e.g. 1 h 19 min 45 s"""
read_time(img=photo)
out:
11 h 02 min 38 s
